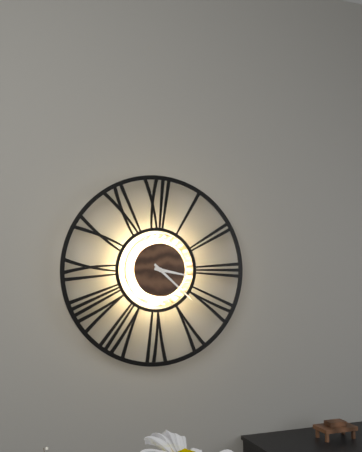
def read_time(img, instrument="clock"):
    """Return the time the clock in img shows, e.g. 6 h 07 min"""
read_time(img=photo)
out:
3 h 22 min
